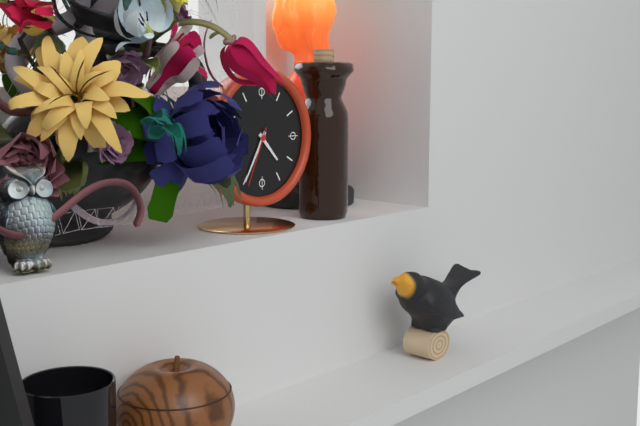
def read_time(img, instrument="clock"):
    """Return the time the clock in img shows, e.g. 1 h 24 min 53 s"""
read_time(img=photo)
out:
4 h 35 min 34 s
